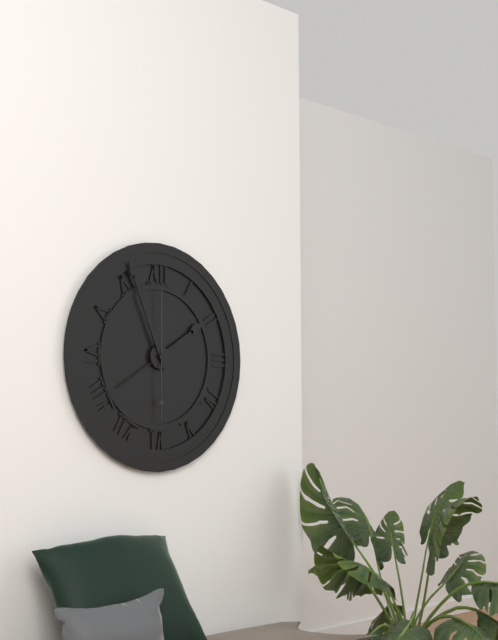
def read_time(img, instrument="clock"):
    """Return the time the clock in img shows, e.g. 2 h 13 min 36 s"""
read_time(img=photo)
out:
1 h 56 min 00 s
